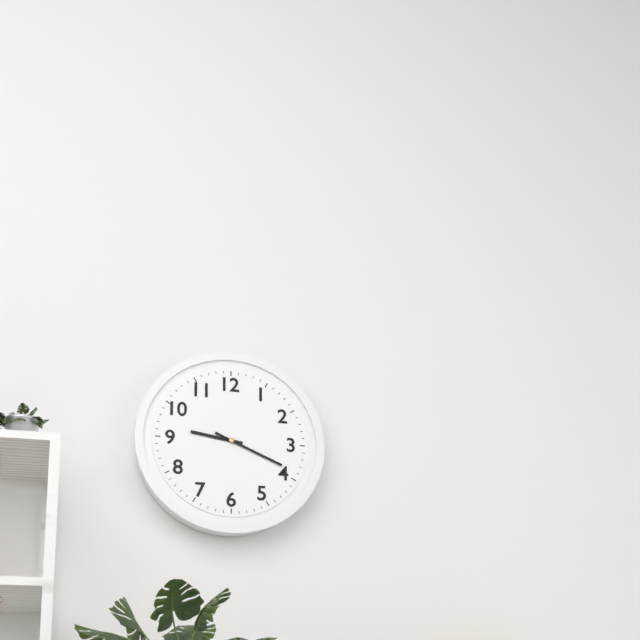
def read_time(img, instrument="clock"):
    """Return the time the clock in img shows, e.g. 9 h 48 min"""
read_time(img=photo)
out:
9 h 19 min
